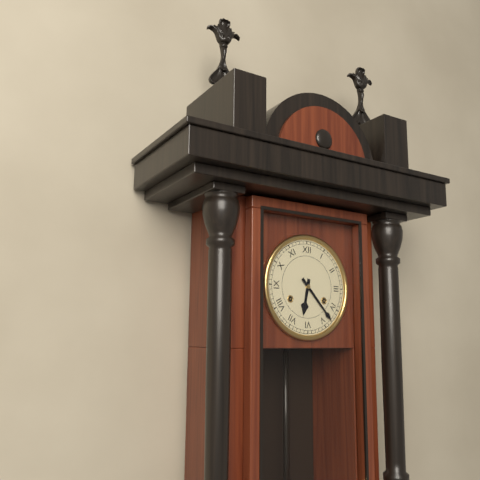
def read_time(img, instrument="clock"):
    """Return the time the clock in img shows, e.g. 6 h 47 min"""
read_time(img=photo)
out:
6 h 23 min
